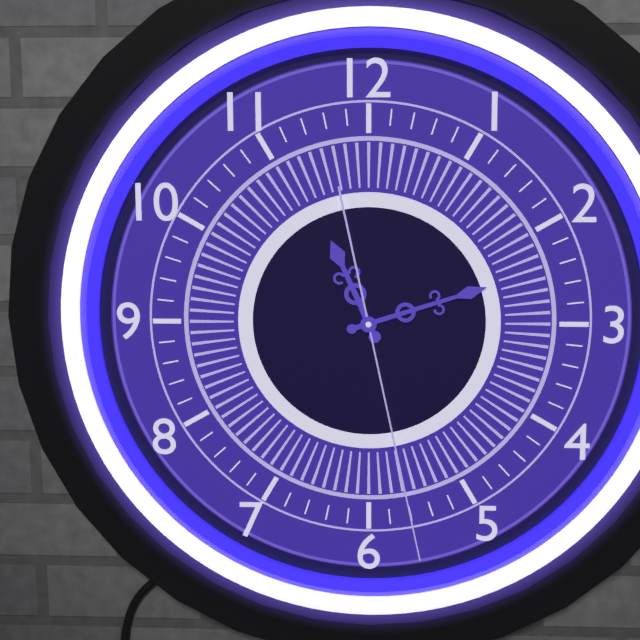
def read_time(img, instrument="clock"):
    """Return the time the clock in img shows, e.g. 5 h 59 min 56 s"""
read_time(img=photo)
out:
11 h 12 min 28 s
